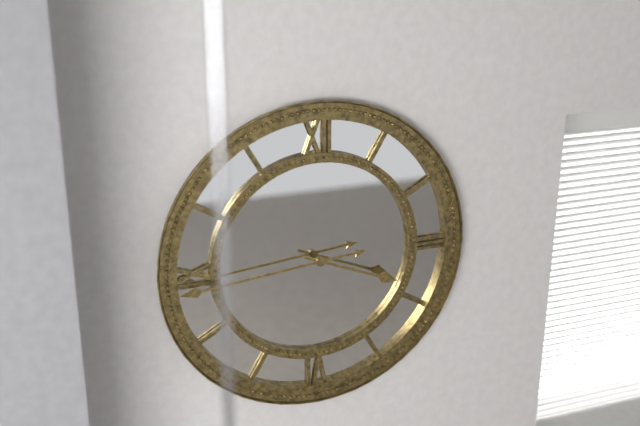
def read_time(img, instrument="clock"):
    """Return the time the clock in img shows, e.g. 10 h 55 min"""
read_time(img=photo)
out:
3 h 44 min
